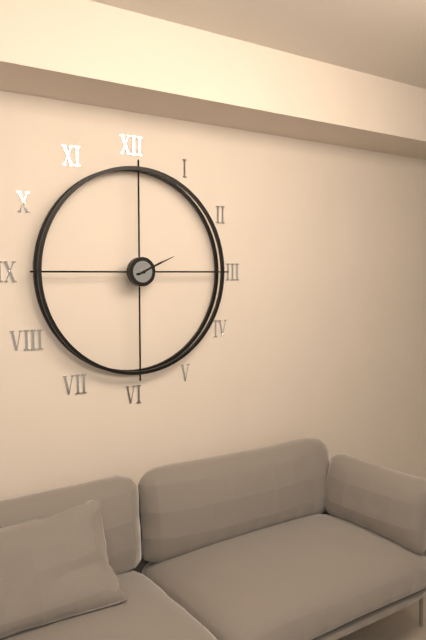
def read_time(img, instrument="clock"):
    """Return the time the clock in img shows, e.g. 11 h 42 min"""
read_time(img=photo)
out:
2 h 11 min
